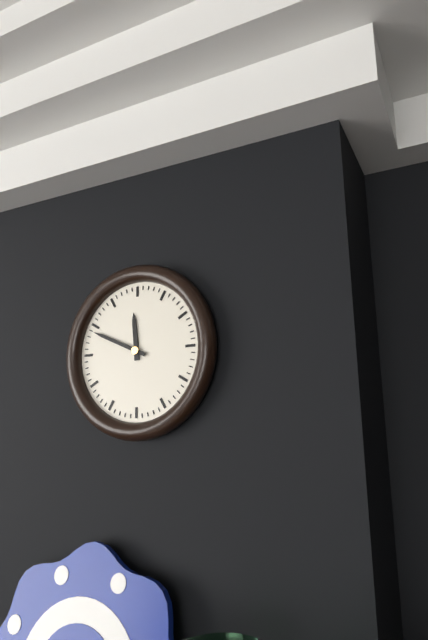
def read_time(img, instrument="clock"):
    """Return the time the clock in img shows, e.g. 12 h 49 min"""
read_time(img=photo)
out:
11 h 49 min
